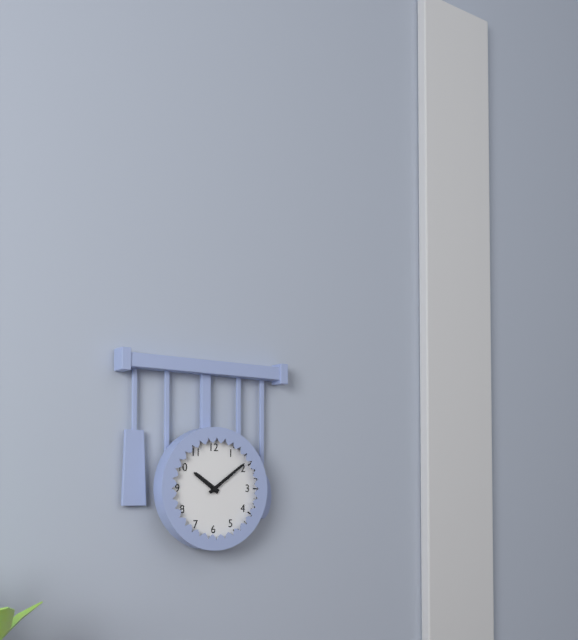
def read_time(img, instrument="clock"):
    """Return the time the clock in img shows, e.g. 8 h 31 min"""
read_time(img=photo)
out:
10 h 09 min
